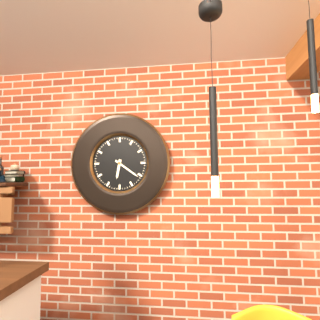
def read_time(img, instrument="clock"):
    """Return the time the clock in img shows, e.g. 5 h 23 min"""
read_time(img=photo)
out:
6 h 21 min
